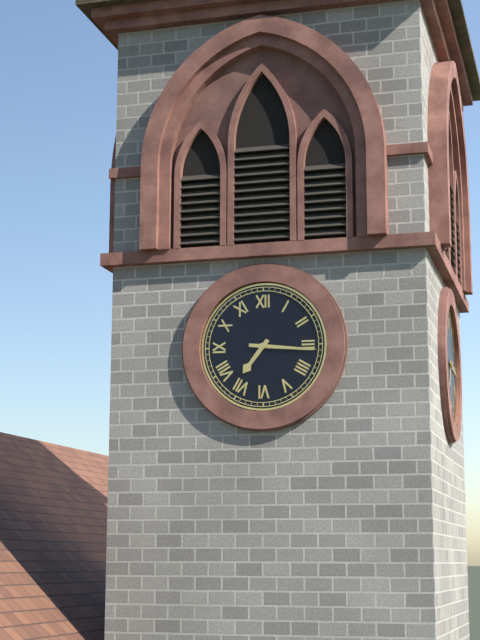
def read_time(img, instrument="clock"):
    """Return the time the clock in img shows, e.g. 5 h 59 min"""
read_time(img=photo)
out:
7 h 16 min
